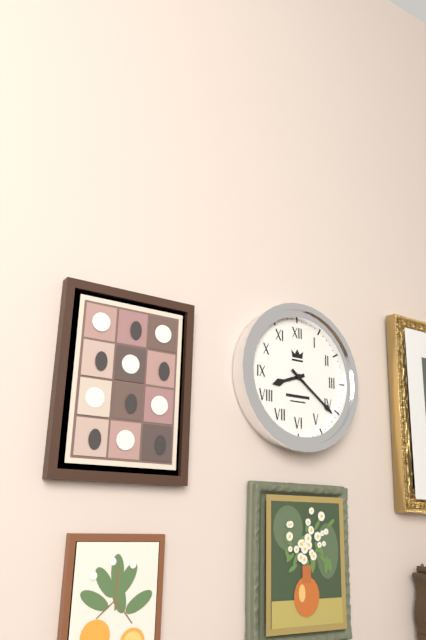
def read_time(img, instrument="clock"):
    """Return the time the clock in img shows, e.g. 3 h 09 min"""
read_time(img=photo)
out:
8 h 21 min
